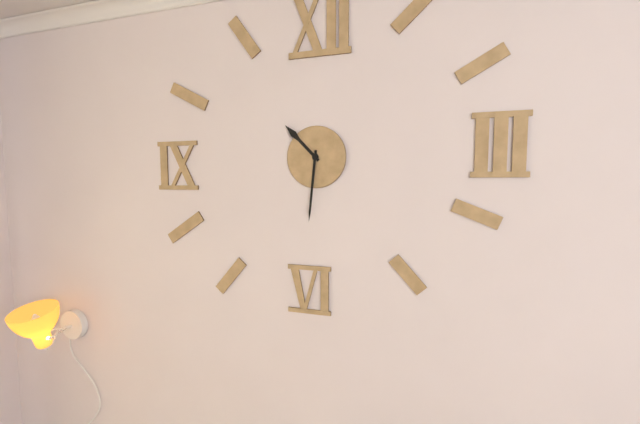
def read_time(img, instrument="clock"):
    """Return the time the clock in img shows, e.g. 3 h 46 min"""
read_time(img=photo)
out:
10 h 31 min
